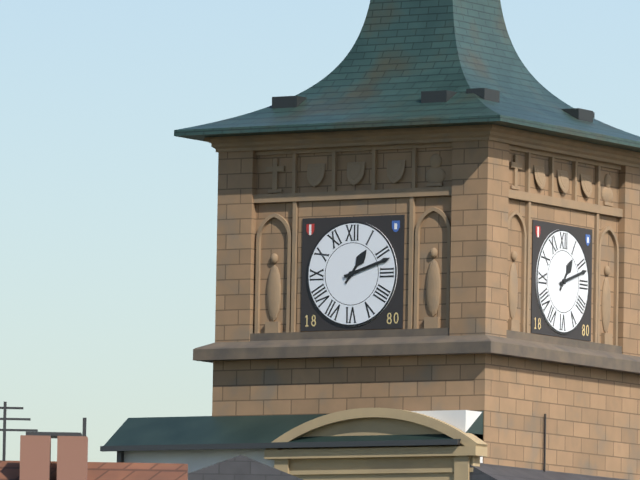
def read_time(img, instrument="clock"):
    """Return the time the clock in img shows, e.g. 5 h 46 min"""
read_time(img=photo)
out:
1 h 12 min
